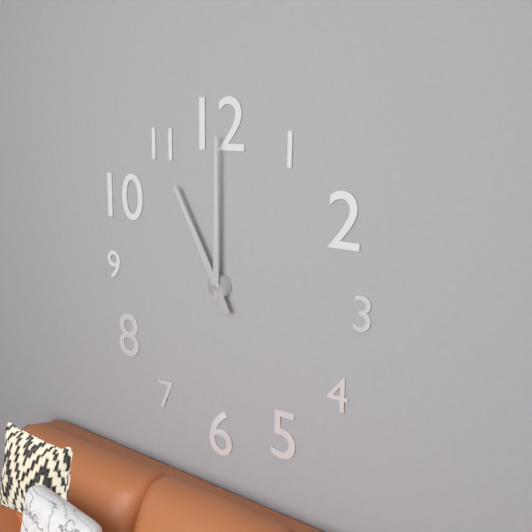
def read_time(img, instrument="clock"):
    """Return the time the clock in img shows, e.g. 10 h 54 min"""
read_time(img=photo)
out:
11 h 00 min
